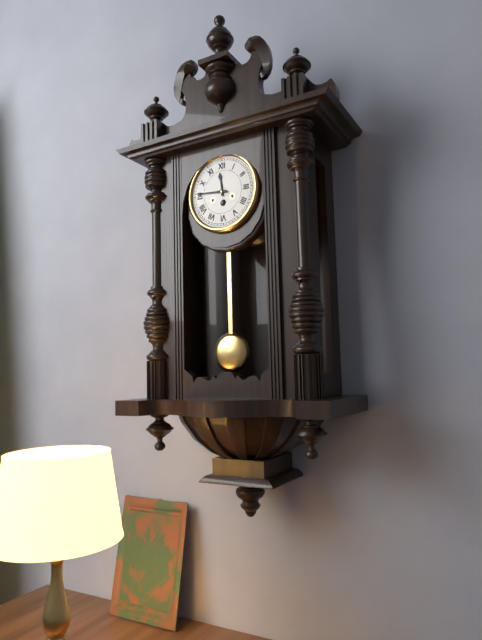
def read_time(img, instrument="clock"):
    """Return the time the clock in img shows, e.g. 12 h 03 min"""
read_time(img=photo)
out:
11 h 46 min
